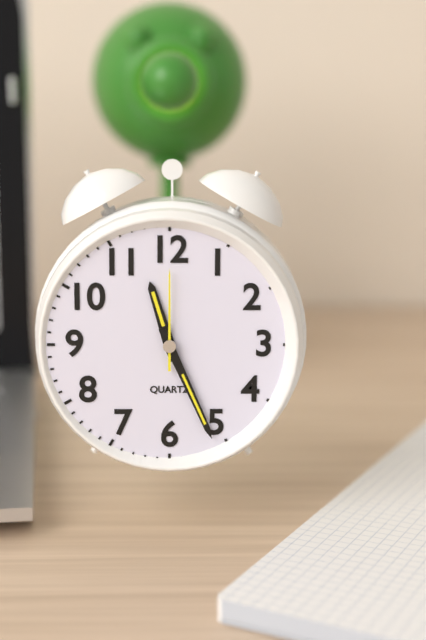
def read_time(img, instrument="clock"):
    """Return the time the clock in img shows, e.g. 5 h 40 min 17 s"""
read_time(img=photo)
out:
11 h 26 min 00 s
